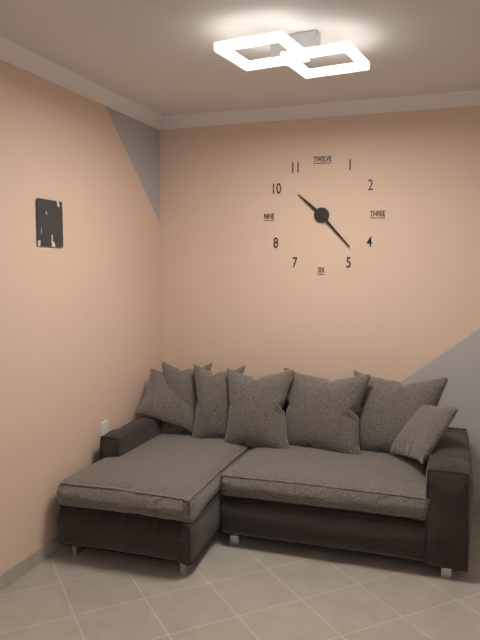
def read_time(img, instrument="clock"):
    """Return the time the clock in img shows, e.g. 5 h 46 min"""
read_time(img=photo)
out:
10 h 23 min
